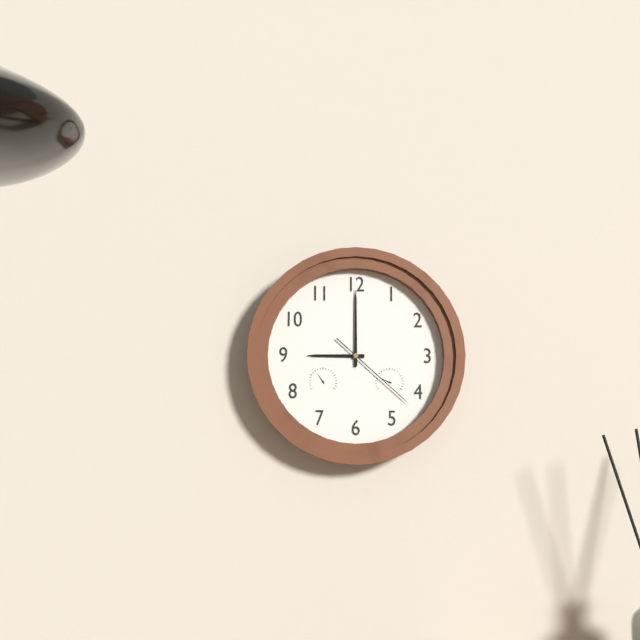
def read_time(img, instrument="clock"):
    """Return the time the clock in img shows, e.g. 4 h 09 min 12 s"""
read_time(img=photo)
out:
9 h 00 min 22 s
